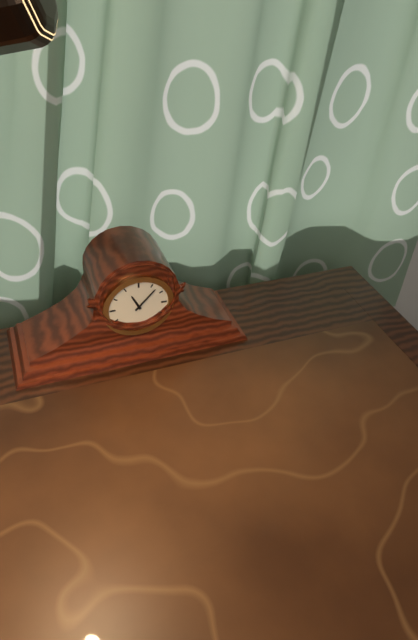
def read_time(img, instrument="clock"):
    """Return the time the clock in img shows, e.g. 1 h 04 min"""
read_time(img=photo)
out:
11 h 07 min
